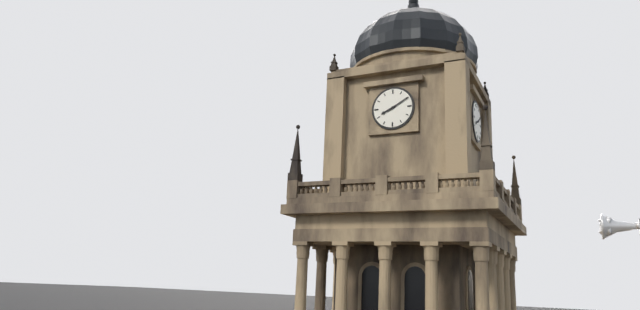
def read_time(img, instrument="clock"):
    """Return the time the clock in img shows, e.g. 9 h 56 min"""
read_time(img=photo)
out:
8 h 10 min
